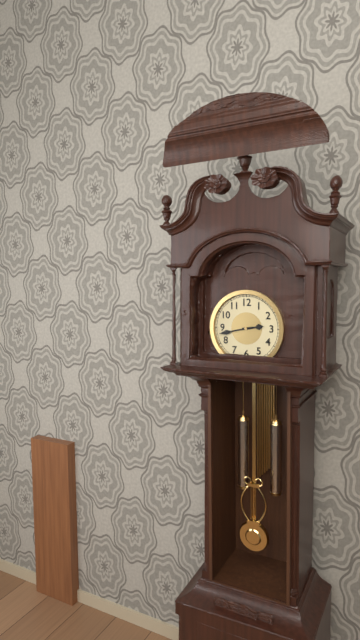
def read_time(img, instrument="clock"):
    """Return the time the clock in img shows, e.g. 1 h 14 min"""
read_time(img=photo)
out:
2 h 43 min
